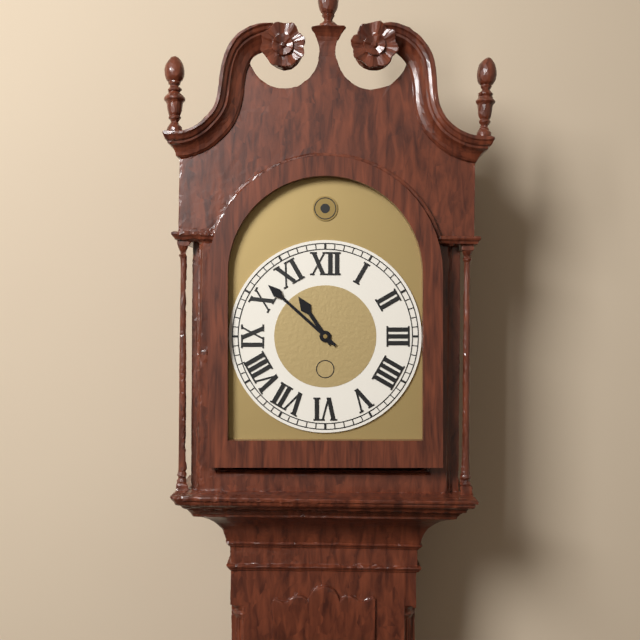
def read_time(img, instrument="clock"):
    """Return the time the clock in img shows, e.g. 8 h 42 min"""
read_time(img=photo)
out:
10 h 52 min
